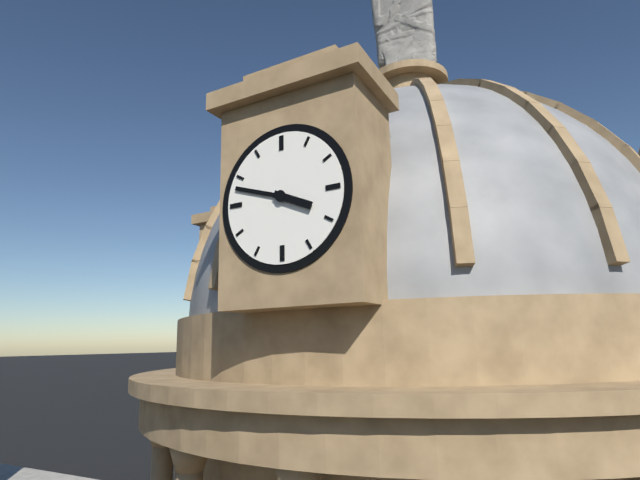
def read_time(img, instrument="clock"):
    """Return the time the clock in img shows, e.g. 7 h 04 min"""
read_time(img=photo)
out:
3 h 48 min
